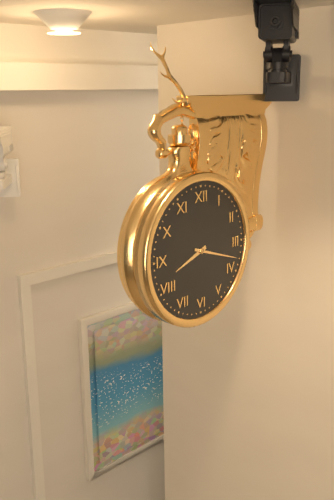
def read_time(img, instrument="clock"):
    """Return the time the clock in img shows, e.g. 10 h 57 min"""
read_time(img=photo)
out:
8 h 18 min
